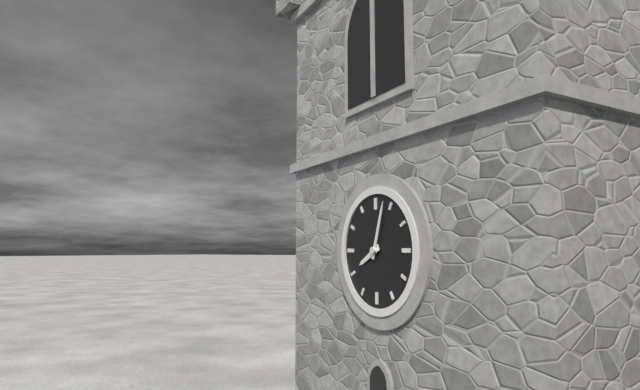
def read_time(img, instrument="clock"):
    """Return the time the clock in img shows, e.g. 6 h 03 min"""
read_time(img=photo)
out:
8 h 03 min
